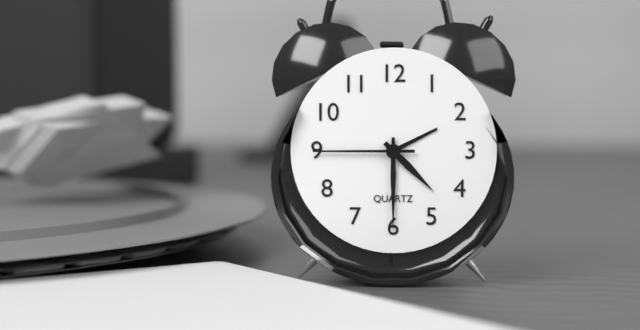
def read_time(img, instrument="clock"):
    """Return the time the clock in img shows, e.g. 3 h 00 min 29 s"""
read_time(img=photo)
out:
4 h 30 min 45 s
